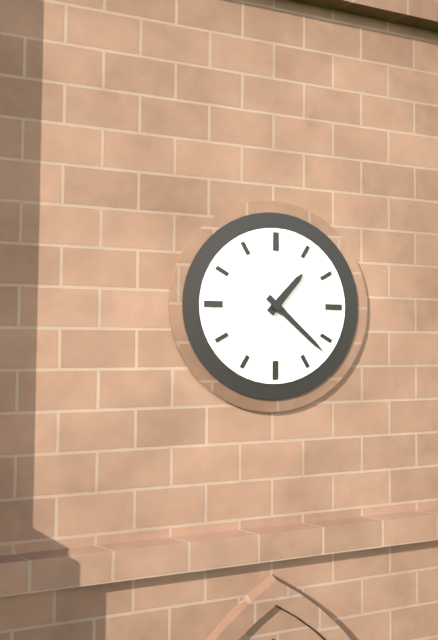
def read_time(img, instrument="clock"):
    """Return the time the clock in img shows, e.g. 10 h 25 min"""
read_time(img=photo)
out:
1 h 22 min
